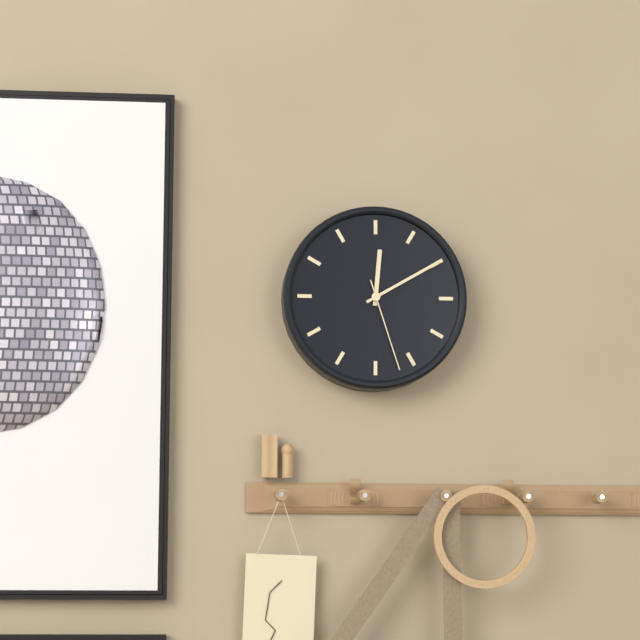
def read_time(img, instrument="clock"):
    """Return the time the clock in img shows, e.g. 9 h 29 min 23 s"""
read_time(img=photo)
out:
12 h 10 min 27 s
